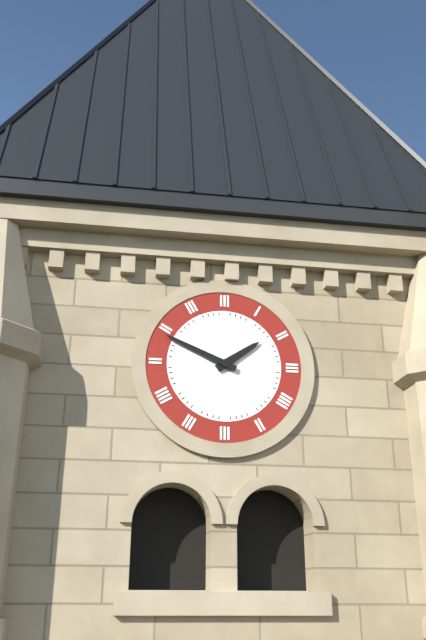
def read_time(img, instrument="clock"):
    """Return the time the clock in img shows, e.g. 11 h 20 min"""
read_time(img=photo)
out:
1 h 49 min
